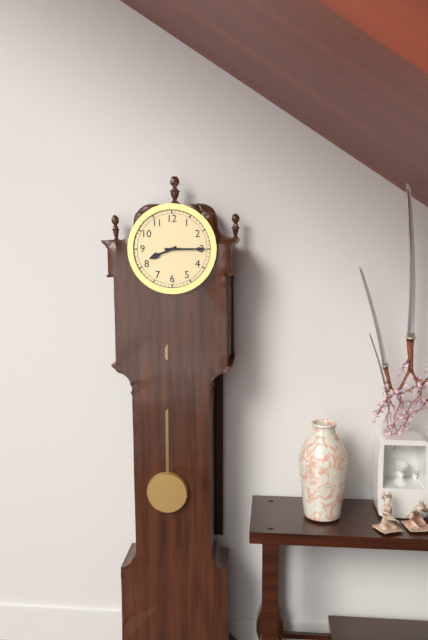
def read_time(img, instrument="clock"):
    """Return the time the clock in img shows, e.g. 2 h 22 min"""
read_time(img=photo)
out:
8 h 15 min
